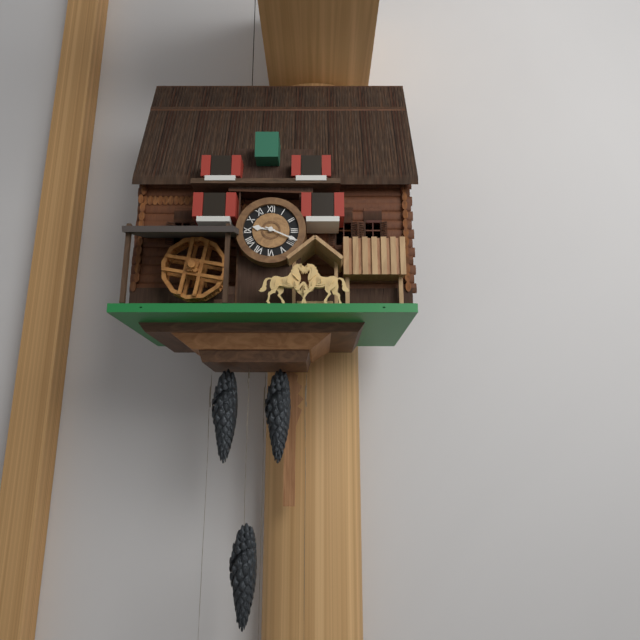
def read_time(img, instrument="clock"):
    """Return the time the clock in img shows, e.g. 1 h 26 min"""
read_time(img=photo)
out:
9 h 19 min
